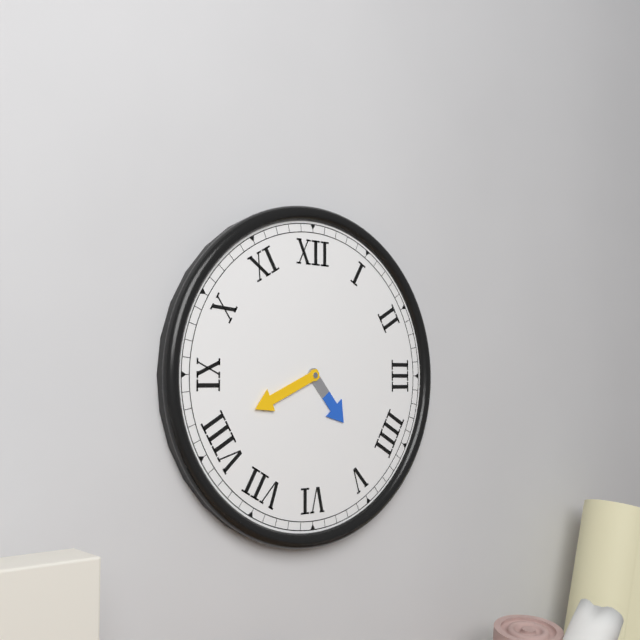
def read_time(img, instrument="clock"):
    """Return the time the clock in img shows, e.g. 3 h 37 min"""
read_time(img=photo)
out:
4 h 41 min
